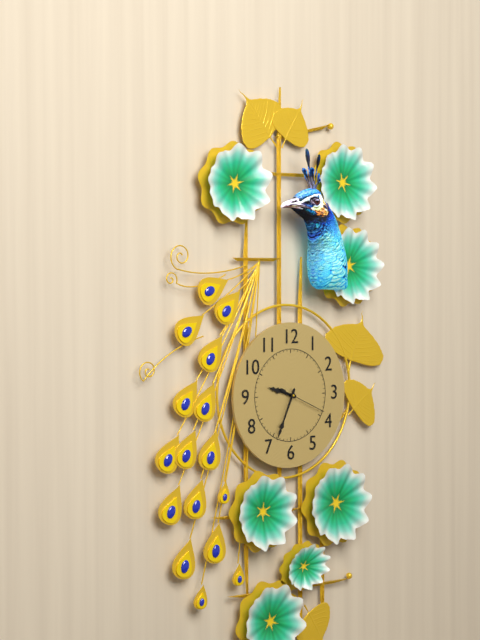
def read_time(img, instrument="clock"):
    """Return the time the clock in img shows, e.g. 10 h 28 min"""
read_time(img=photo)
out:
9 h 34 min
